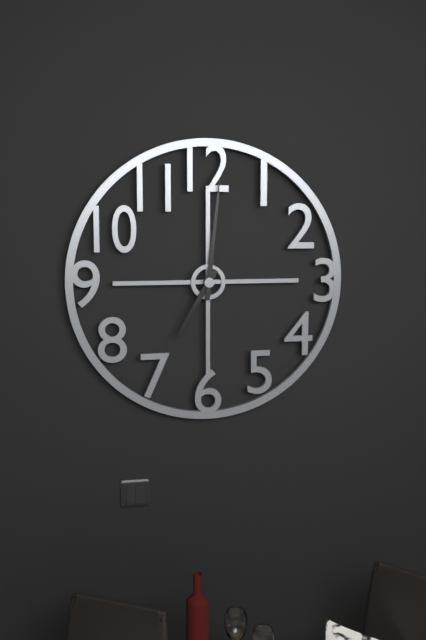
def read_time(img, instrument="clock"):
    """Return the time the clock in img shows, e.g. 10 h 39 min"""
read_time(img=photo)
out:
7 h 01 min
